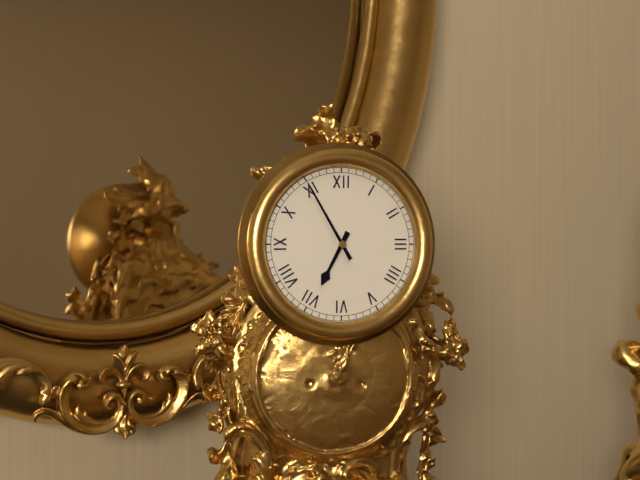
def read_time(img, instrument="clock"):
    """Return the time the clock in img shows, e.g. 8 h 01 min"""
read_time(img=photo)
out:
6 h 55 min
